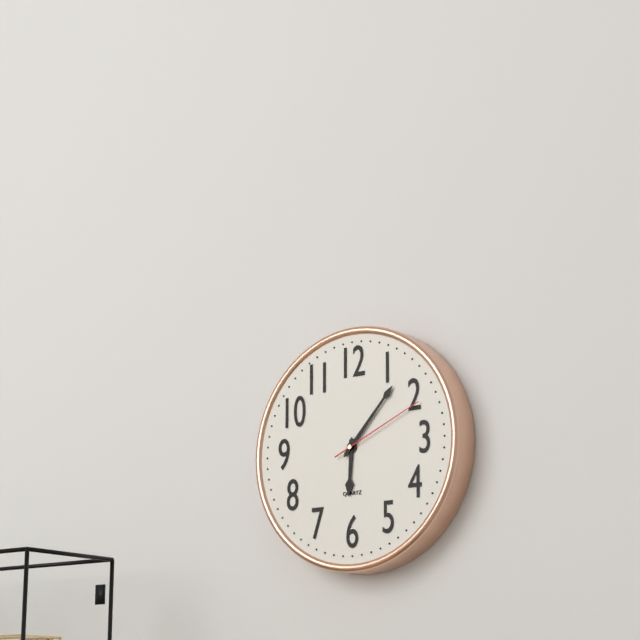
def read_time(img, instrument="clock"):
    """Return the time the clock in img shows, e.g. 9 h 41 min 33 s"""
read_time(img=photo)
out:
6 h 07 min 11 s
